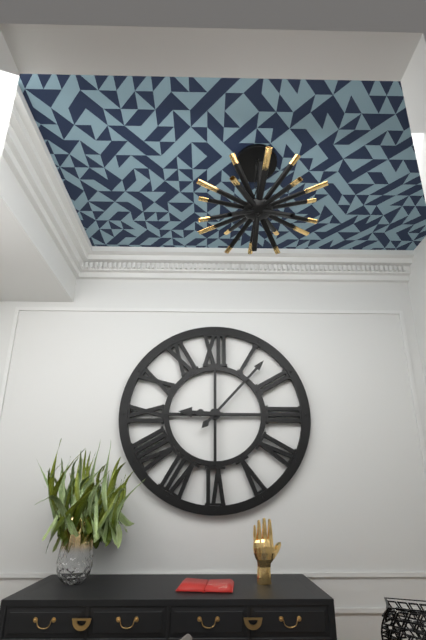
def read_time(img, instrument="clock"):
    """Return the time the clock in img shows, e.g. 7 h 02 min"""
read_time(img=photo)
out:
9 h 07 min
